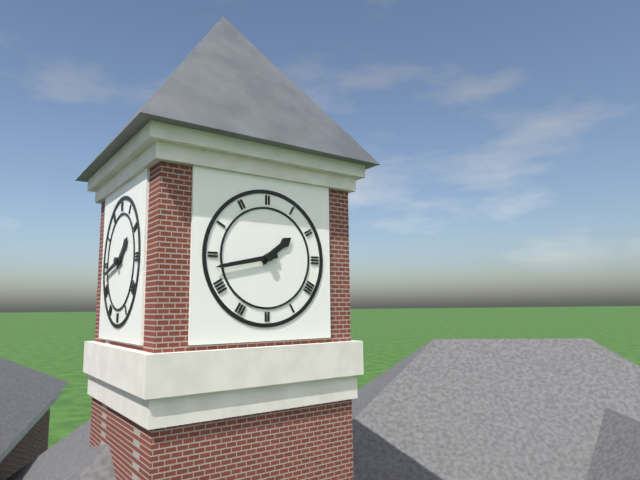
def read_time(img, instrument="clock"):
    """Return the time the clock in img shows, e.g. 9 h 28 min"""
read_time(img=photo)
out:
1 h 43 min
